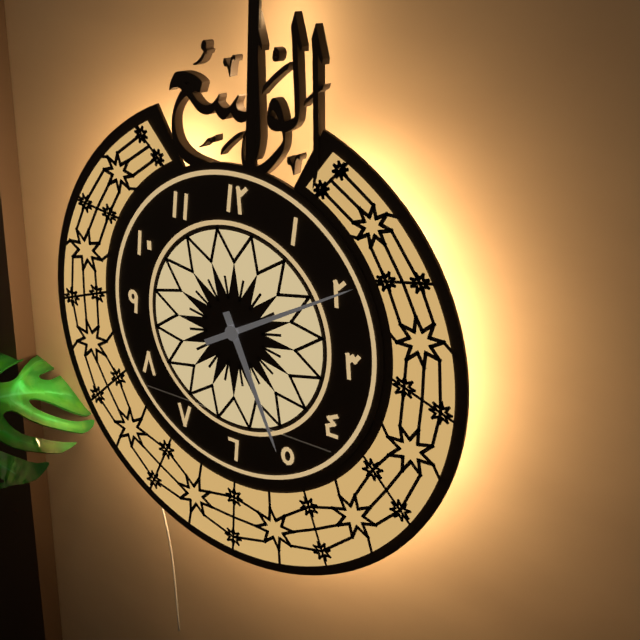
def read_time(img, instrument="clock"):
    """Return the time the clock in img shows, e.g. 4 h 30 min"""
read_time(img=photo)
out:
5 h 10 min
